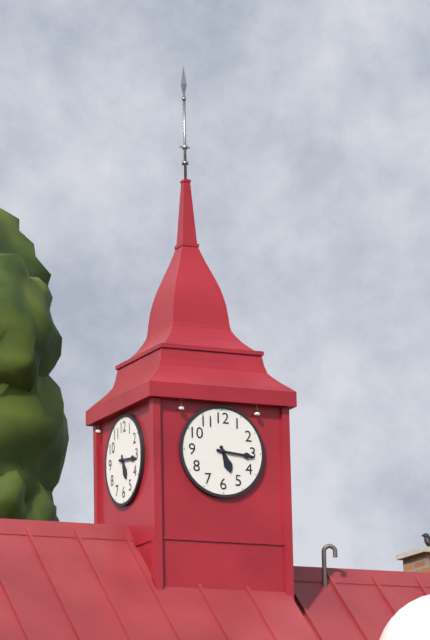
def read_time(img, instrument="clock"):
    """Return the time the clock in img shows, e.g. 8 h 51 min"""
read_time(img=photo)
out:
5 h 16 min
